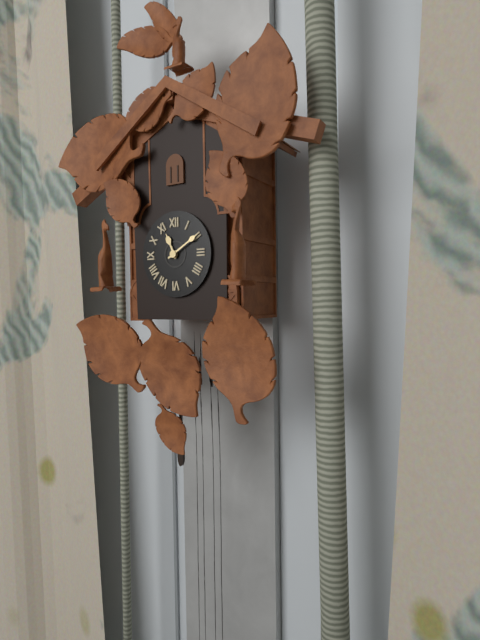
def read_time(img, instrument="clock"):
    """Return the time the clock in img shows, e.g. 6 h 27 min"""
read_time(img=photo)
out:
11 h 10 min
